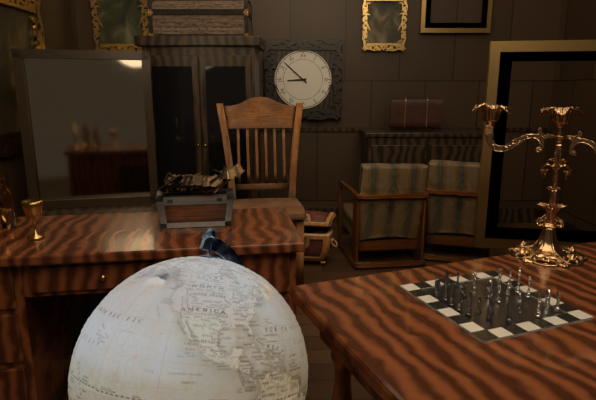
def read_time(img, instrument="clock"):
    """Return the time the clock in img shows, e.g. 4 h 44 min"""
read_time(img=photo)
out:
8 h 52 min
